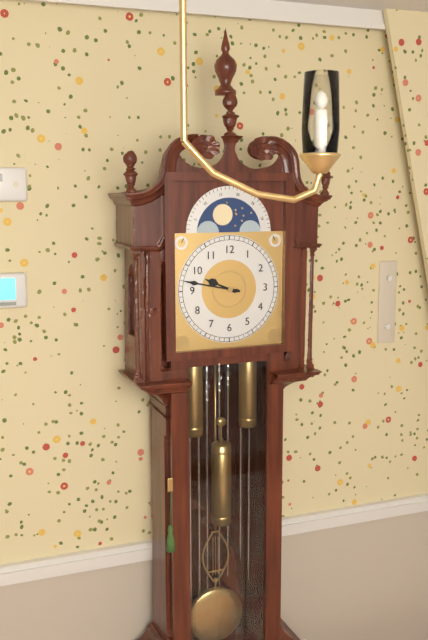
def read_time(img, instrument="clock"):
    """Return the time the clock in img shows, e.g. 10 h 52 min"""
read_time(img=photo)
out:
9 h 47 min
